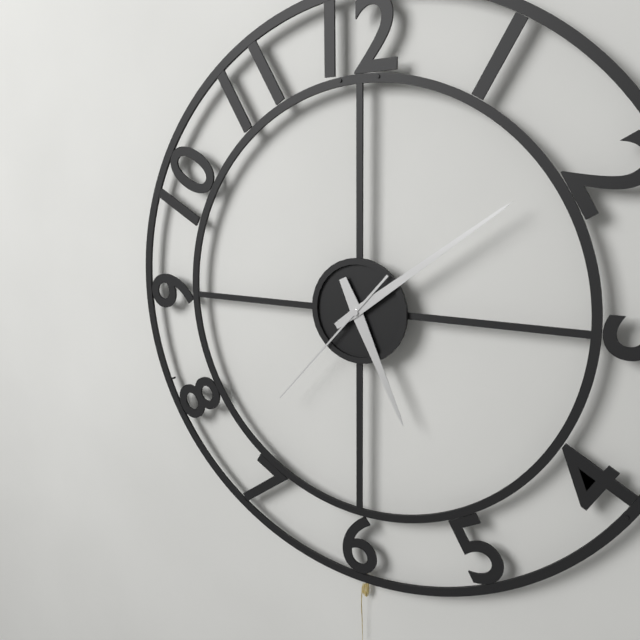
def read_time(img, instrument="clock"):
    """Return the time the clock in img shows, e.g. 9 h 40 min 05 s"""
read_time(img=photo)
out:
5 h 09 min 37 s
